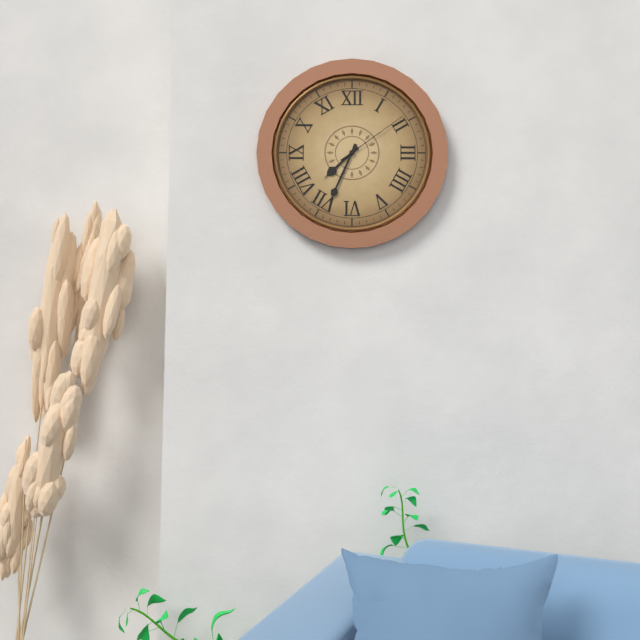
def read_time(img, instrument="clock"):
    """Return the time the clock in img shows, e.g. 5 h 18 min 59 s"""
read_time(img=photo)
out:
7 h 34 min 09 s
